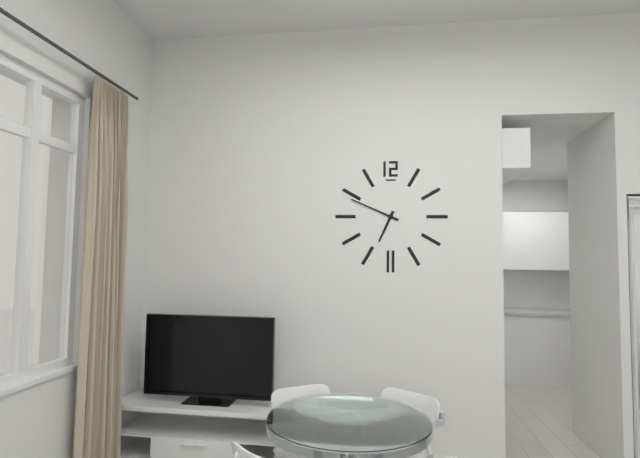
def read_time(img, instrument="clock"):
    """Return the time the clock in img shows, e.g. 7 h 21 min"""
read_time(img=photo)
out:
6 h 49 min
